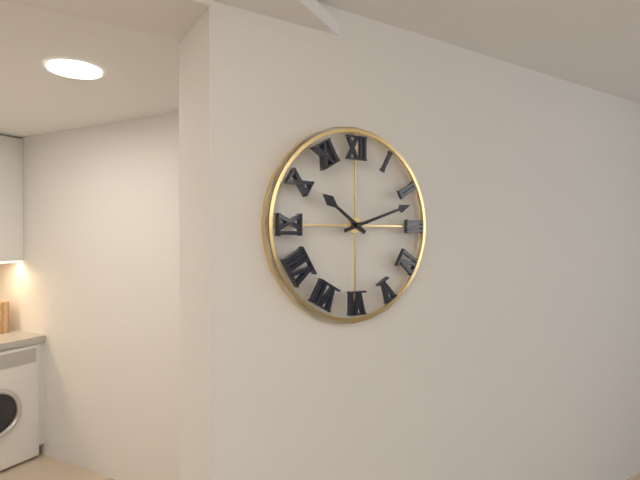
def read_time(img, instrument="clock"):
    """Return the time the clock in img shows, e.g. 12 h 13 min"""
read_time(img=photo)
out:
10 h 12 min
